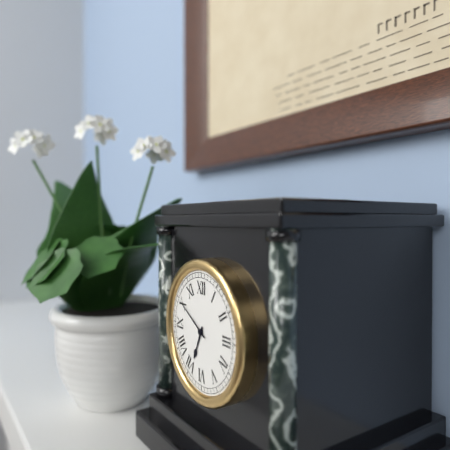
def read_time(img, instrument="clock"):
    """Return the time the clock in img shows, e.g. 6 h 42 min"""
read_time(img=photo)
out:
6 h 50 min
